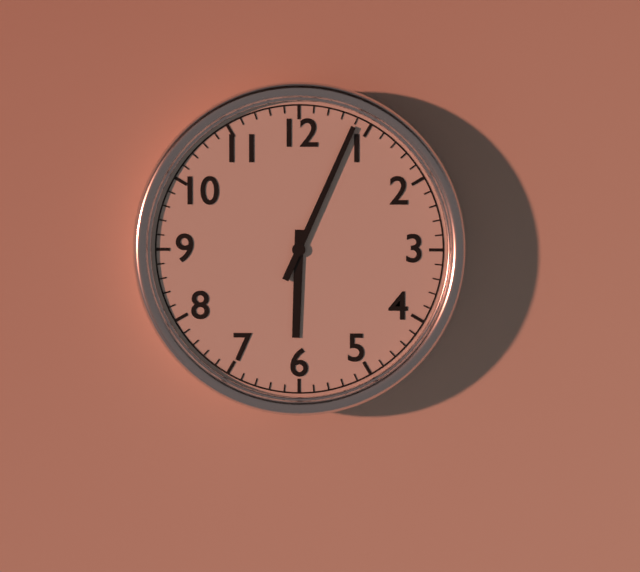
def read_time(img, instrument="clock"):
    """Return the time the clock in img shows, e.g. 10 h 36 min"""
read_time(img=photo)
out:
6 h 04 min
